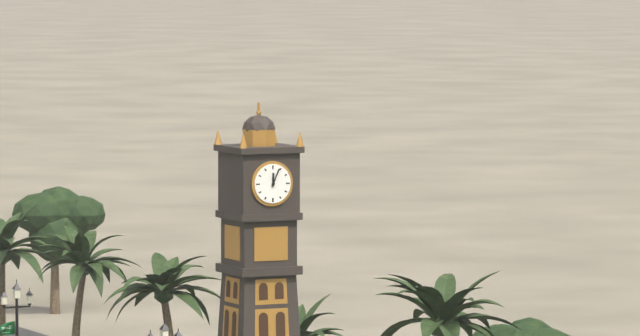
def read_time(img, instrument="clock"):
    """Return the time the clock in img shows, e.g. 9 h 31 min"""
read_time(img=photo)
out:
12 h 04 min
